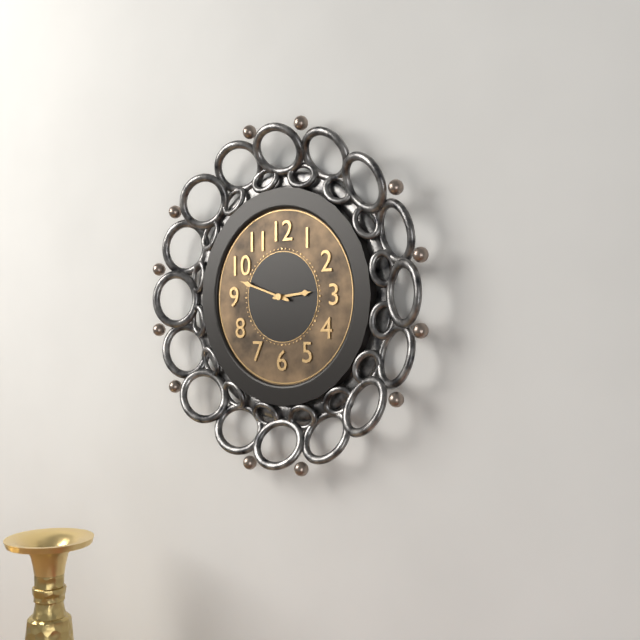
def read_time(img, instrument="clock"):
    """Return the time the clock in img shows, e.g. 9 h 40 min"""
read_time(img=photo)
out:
2 h 48 min
